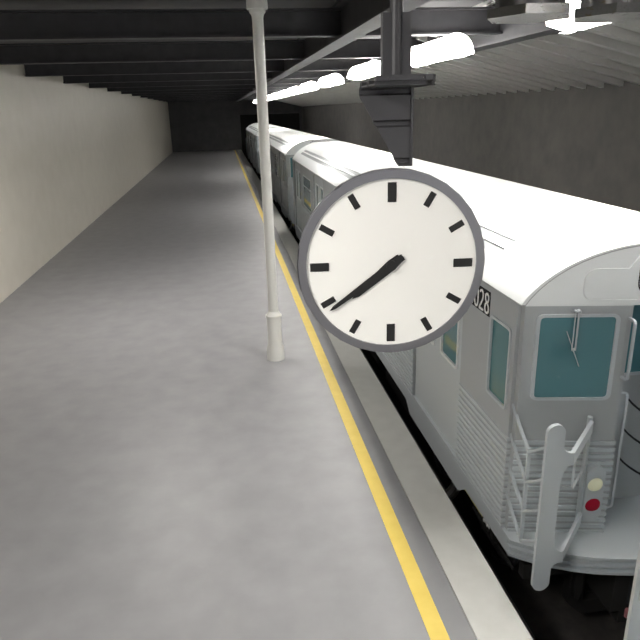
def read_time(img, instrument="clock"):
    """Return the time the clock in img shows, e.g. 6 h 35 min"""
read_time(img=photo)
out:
7 h 39 min
